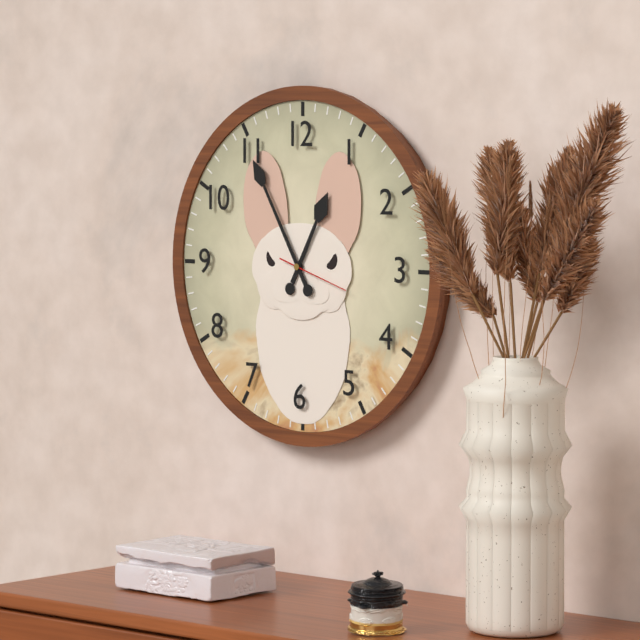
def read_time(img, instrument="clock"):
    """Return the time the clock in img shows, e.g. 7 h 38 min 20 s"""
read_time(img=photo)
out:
12 h 55 min 18 s
